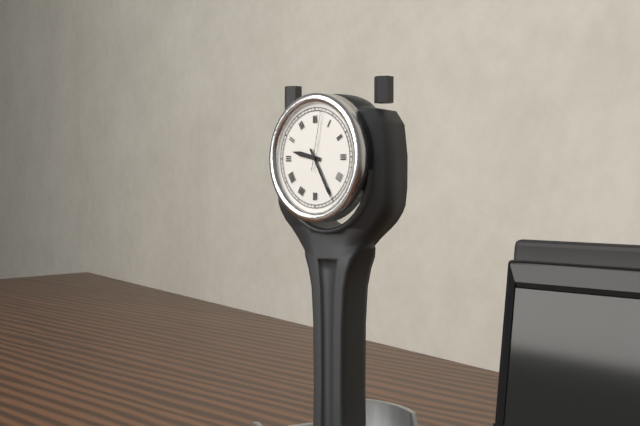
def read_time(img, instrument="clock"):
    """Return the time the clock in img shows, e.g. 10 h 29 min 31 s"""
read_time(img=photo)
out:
9 h 25 min 02 s
